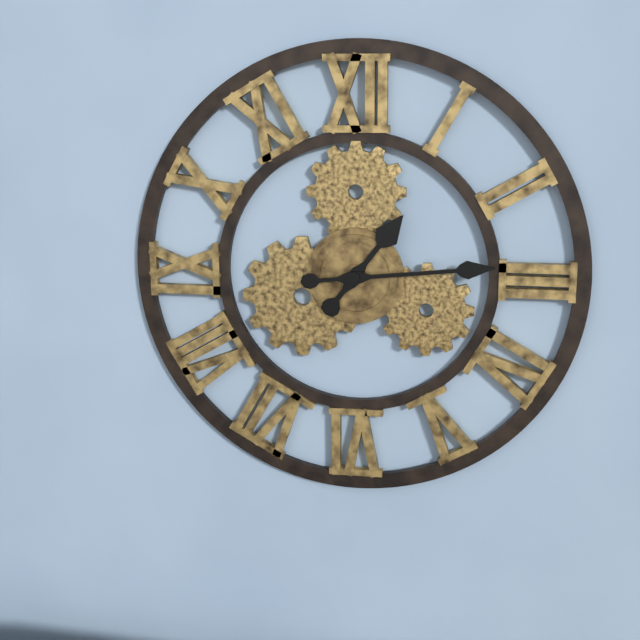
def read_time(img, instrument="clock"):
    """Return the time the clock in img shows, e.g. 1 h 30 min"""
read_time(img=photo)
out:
1 h 14 min
